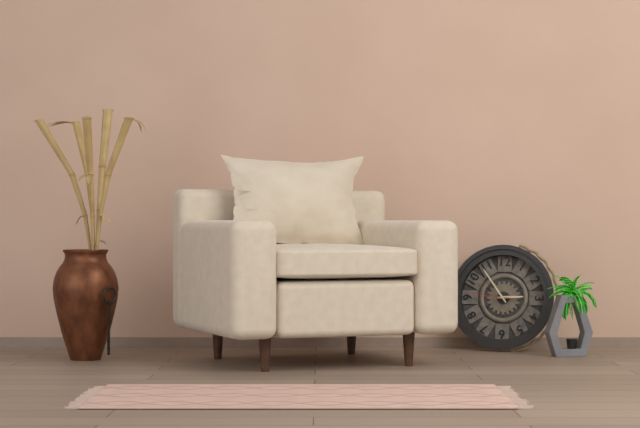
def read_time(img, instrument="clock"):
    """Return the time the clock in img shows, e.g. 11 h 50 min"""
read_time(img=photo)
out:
2 h 54 min
